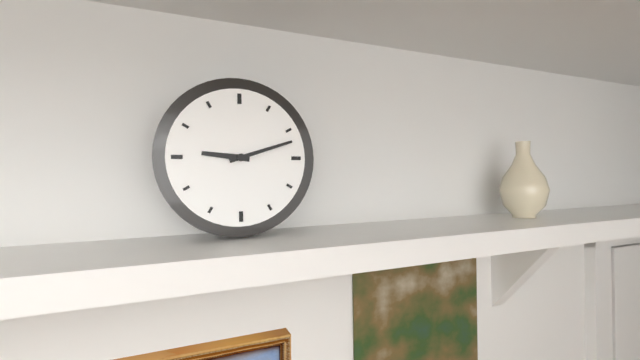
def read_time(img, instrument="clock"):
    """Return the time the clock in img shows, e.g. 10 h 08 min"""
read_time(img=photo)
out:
9 h 12 min
